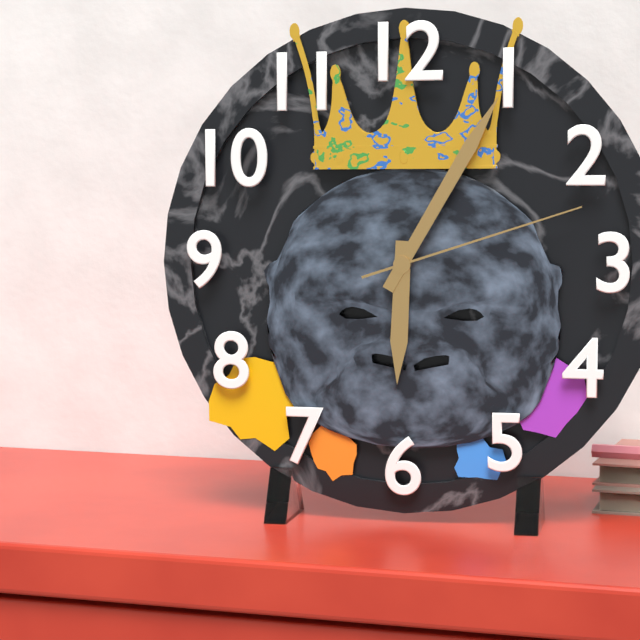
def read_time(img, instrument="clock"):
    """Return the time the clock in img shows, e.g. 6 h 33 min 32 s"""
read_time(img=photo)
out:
6 h 05 min 12 s
